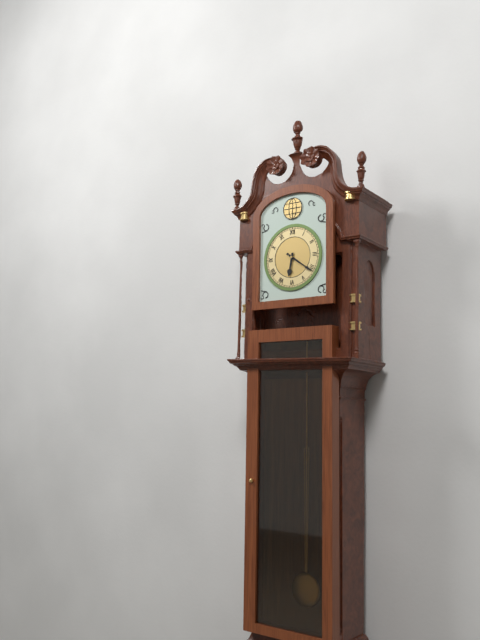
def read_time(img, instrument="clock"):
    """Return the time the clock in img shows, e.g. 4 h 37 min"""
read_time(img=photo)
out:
6 h 21 min
